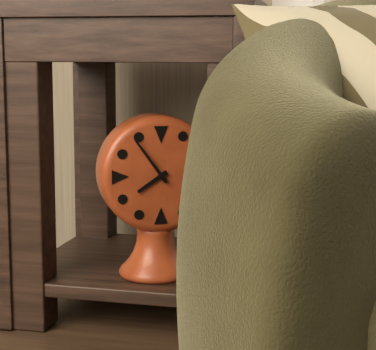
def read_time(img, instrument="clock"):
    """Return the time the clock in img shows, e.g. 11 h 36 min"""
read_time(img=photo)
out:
7 h 54 min
